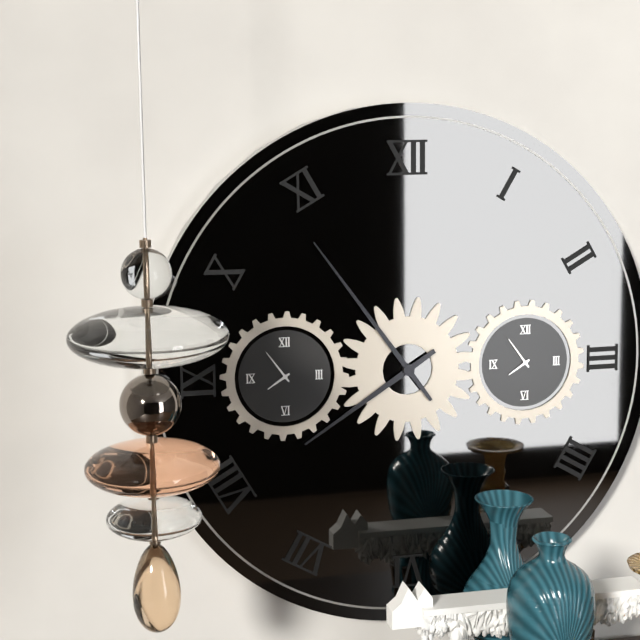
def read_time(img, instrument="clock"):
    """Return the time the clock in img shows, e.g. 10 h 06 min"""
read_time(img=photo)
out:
7 h 54 min
